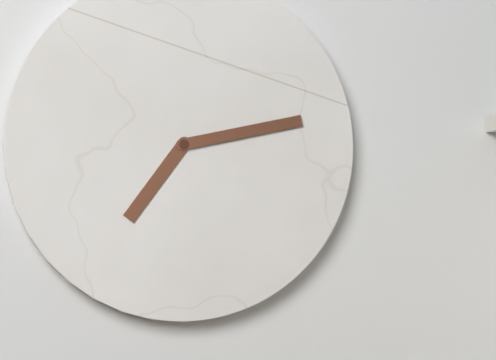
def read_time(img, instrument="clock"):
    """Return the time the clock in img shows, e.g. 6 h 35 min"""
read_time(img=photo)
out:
7 h 13 min
